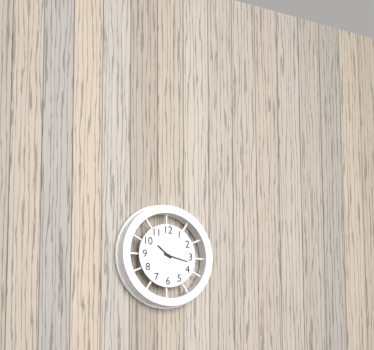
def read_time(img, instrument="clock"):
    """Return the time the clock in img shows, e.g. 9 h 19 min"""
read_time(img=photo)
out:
10 h 17 min
